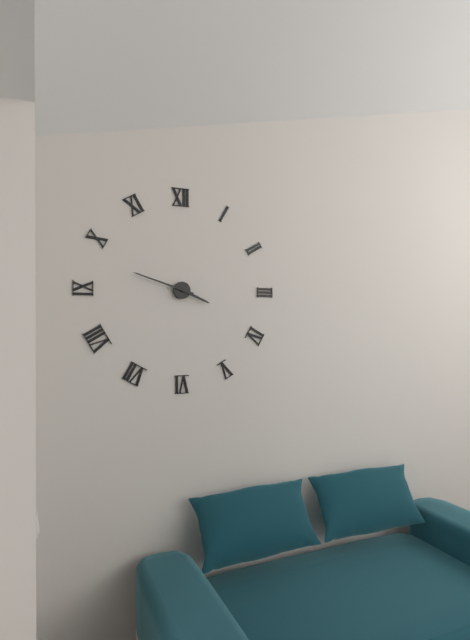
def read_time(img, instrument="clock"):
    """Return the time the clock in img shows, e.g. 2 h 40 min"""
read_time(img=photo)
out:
3 h 48 min
